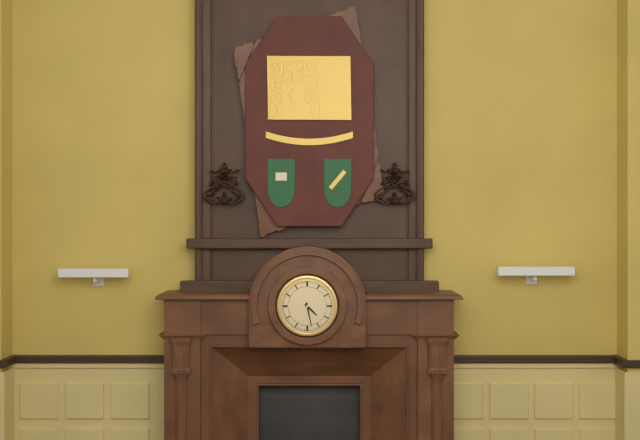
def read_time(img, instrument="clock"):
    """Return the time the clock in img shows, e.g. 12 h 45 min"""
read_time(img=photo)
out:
4 h 28 min
